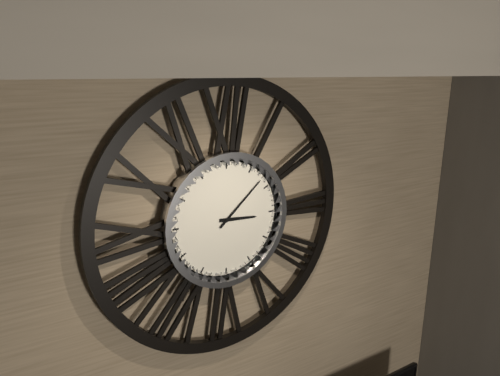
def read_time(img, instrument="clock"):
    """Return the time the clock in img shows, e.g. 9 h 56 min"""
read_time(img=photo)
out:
3 h 08 min
